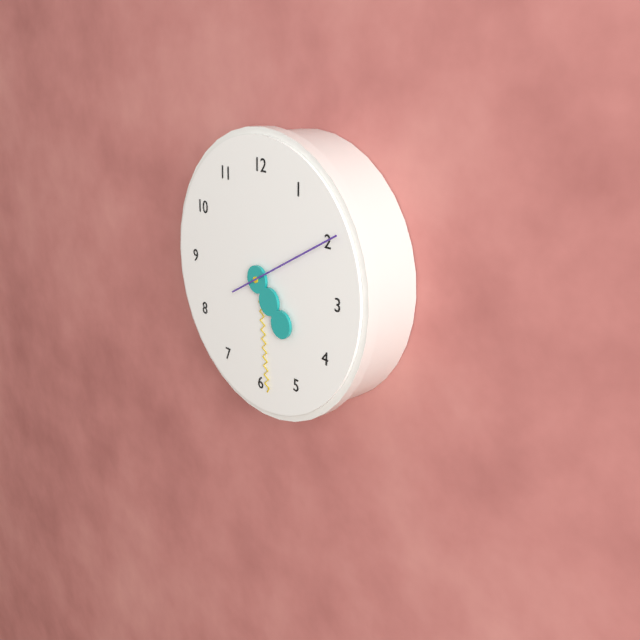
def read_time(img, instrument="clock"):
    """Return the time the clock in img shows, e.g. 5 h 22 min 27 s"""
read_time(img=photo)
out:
4 h 29 min 10 s
